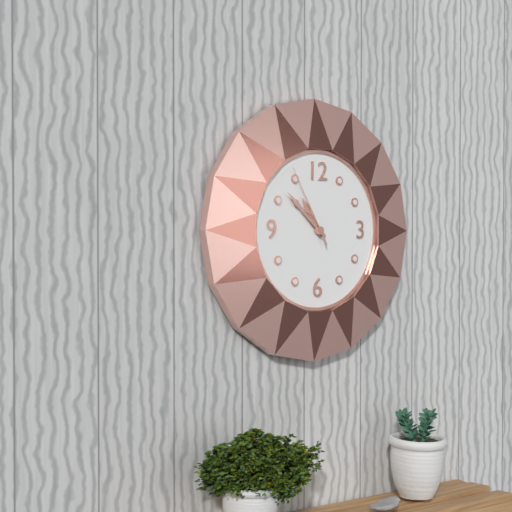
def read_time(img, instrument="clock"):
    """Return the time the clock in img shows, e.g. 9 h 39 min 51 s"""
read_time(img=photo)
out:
10 h 52 min 55 s
